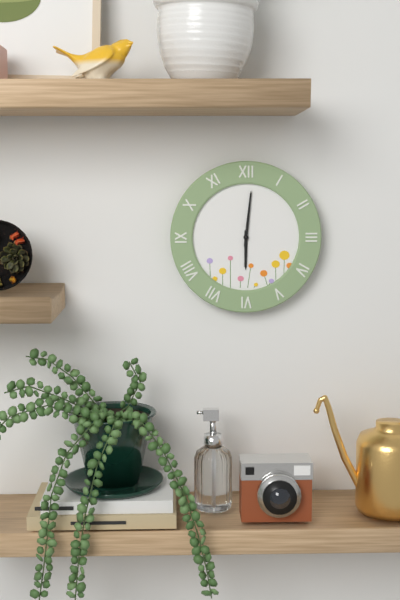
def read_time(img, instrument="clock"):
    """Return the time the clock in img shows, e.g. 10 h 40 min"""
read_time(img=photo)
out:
6 h 01 min
